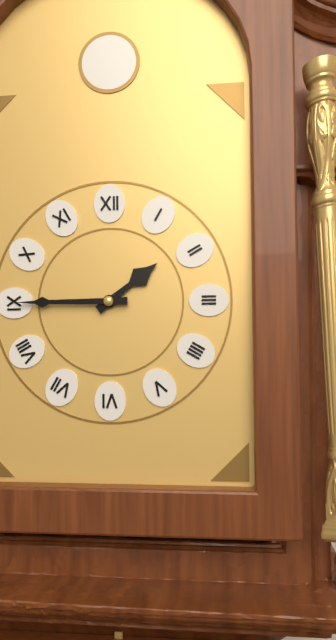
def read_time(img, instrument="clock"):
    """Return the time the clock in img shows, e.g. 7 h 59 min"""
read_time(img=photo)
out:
1 h 45 min
